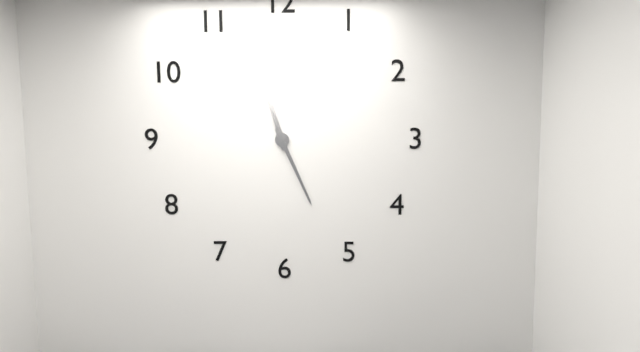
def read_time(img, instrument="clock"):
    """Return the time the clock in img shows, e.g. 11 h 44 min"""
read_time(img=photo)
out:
11 h 26 min
